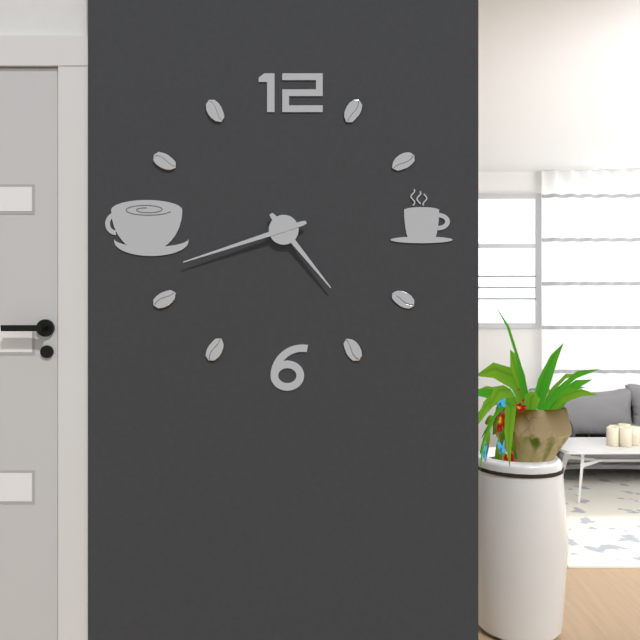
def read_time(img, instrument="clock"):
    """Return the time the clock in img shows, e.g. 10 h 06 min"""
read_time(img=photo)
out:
4 h 42 min
